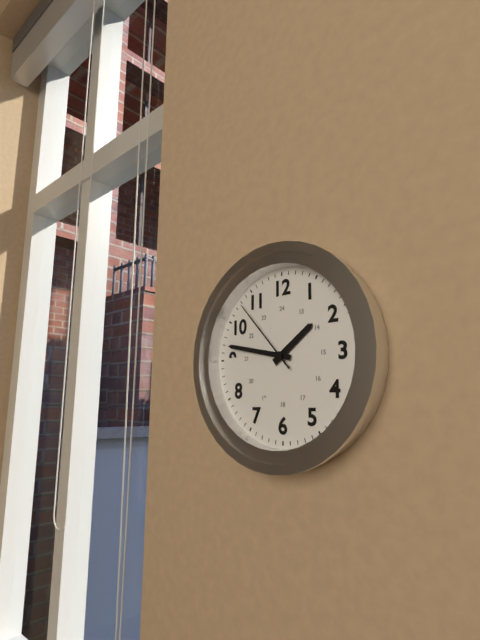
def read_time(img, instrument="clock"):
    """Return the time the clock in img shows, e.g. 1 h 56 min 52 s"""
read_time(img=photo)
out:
1 h 47 min 53 s
